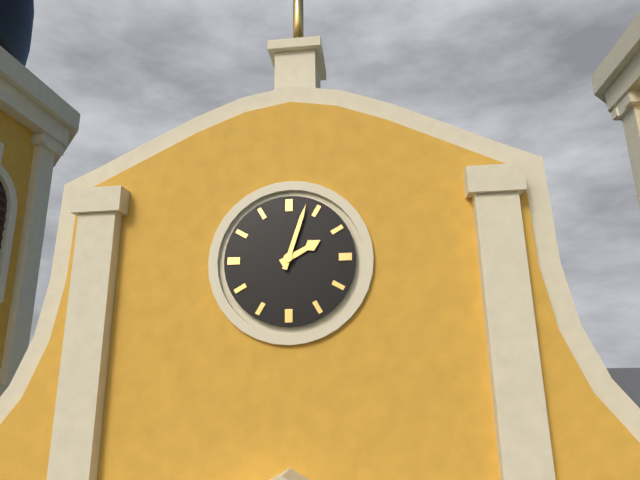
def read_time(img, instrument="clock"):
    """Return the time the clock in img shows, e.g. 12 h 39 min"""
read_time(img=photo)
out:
2 h 03 min
